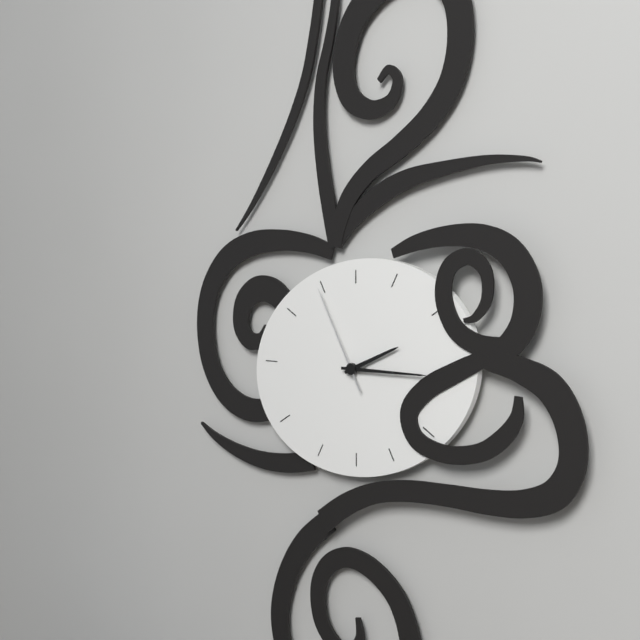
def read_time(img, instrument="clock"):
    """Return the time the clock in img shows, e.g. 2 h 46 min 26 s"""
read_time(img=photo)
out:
2 h 15 min 55 s
